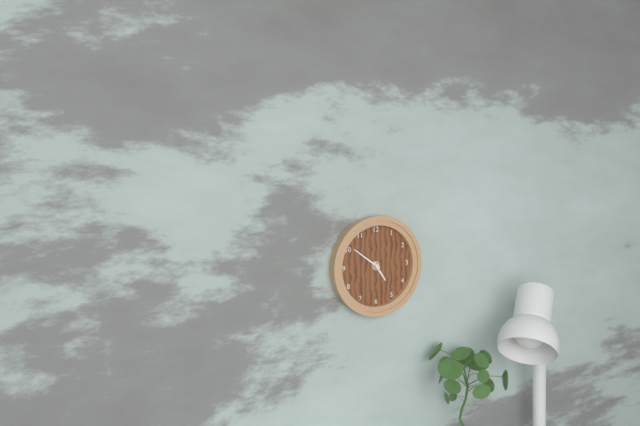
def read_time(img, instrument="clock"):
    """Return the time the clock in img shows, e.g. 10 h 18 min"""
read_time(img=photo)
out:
4 h 51 min
